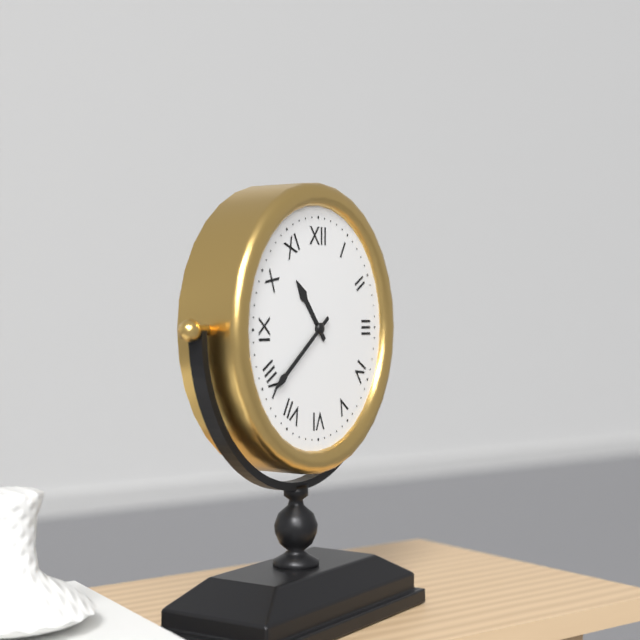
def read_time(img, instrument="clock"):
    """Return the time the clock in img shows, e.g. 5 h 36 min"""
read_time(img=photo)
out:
10 h 39 min
